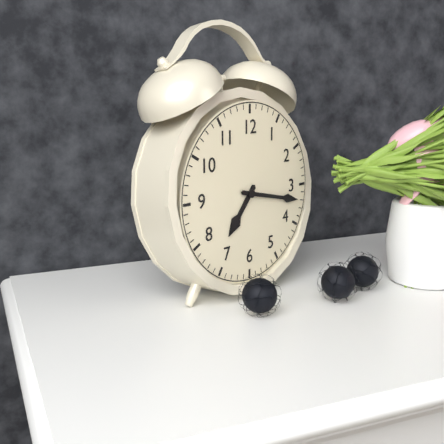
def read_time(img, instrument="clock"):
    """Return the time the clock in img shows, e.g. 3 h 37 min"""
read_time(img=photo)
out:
7 h 17 min
